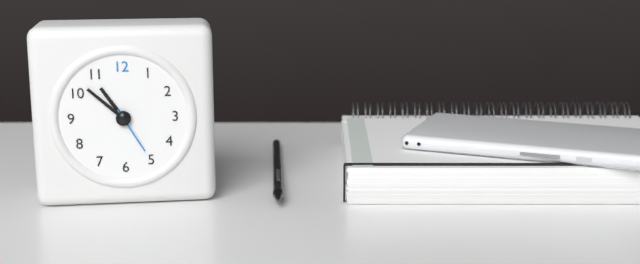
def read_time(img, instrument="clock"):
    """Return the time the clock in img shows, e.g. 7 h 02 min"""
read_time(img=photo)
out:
10 h 52 min
